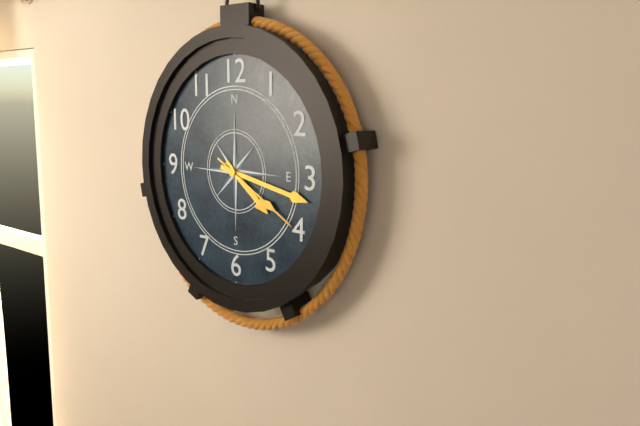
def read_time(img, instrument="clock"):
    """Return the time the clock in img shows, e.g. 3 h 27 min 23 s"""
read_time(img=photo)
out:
4 h 17 min 20 s
